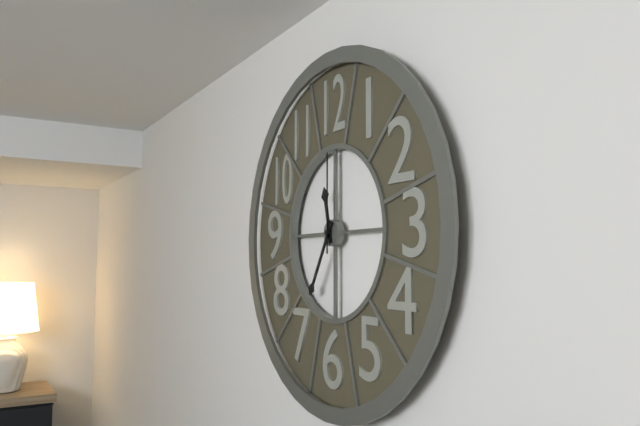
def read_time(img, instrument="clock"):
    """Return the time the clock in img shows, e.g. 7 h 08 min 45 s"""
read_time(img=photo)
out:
11 h 35 min 00 s
